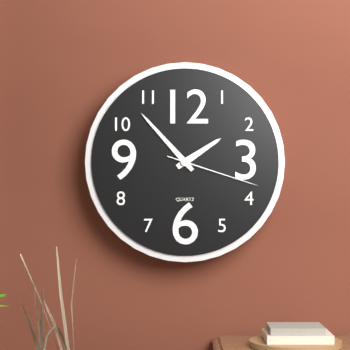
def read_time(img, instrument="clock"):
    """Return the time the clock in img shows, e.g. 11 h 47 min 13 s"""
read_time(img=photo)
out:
1 h 53 min 18 s
